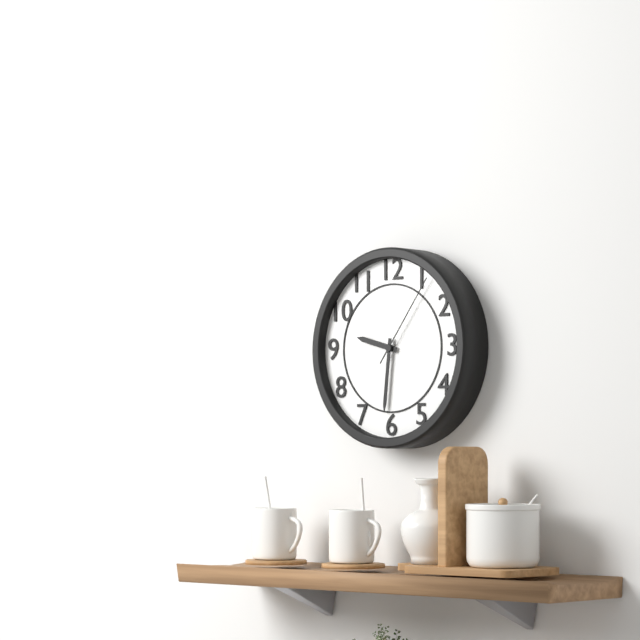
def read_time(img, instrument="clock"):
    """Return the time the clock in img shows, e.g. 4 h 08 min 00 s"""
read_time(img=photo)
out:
9 h 31 min 06 s
